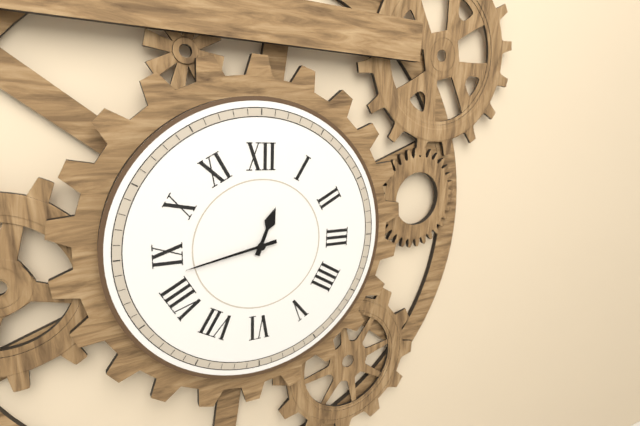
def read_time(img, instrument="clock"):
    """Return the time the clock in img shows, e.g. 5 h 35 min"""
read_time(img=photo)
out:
12 h 43 min
